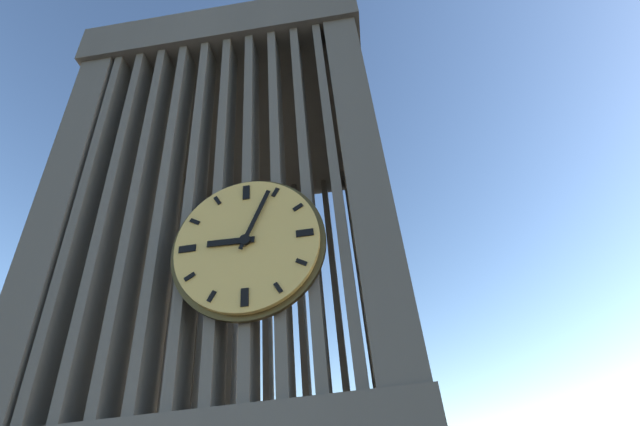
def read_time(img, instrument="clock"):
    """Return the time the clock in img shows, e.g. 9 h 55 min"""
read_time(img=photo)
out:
9 h 04 min
